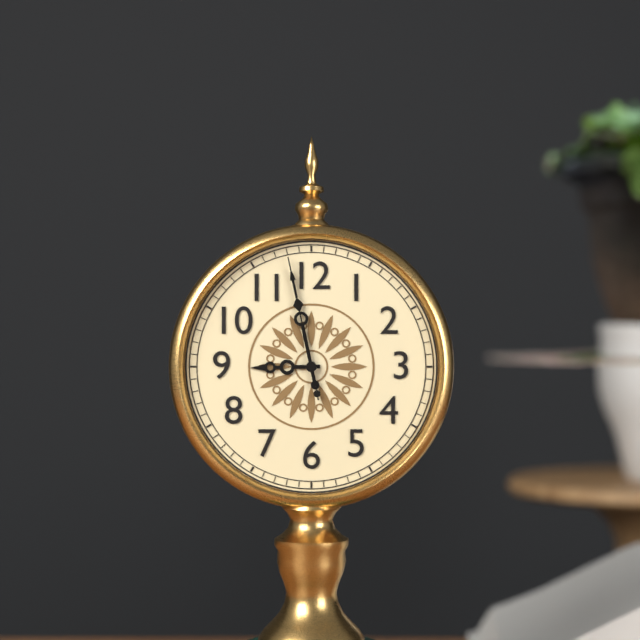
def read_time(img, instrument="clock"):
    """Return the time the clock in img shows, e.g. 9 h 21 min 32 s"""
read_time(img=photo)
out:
8 h 58 min 58 s
